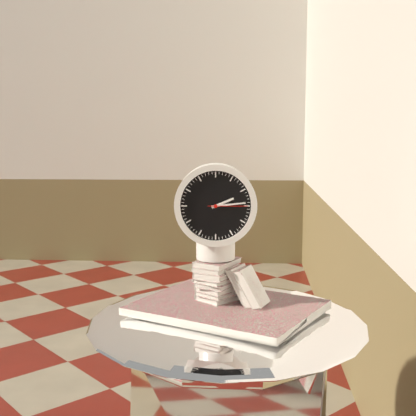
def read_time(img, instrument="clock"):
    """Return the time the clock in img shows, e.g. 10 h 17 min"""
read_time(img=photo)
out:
2 h 14 min
